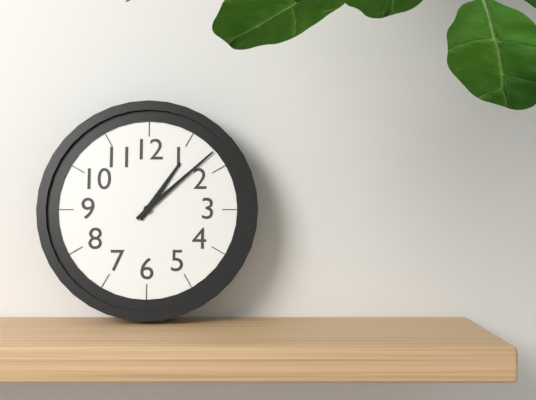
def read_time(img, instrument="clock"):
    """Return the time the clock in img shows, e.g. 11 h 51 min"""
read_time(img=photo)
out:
1 h 08 min
